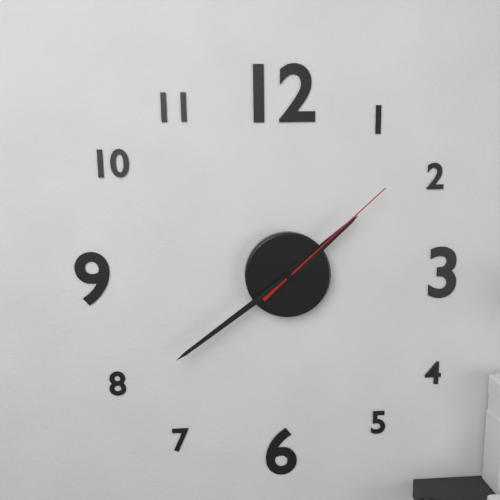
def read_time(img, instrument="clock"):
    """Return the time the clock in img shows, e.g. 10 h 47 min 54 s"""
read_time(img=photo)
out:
1 h 39 min 08 s
